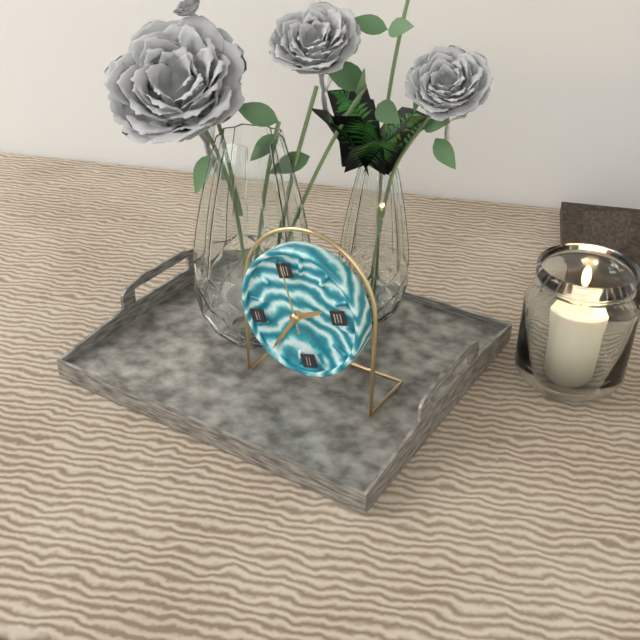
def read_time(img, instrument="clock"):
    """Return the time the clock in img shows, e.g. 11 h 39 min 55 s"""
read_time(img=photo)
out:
2 h 38 min 00 s
